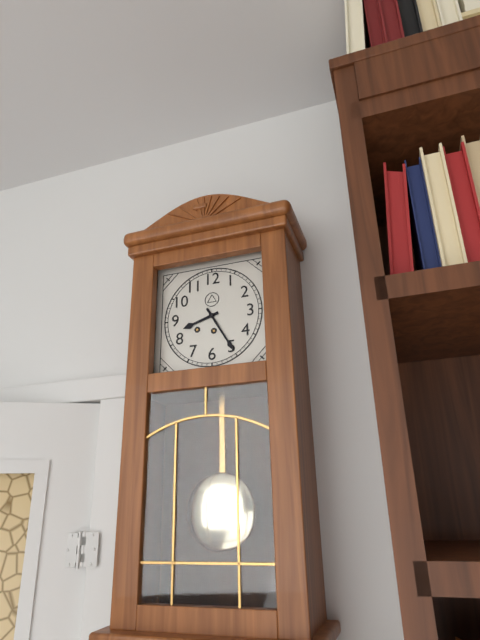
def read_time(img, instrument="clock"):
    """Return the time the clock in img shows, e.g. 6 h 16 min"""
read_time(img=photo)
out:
8 h 25 min
